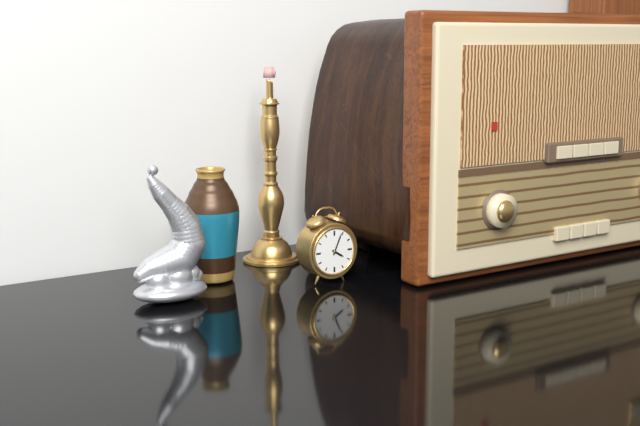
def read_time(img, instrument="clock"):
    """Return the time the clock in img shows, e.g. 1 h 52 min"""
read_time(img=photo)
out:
4 h 04 min
